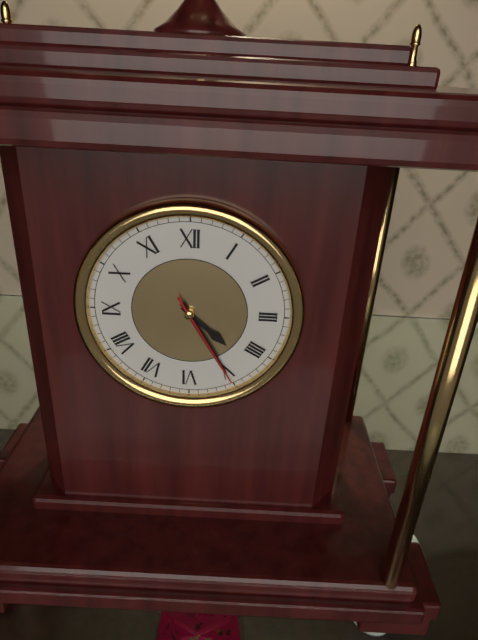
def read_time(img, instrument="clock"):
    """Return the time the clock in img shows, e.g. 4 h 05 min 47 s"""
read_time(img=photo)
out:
4 h 25 min 25 s
